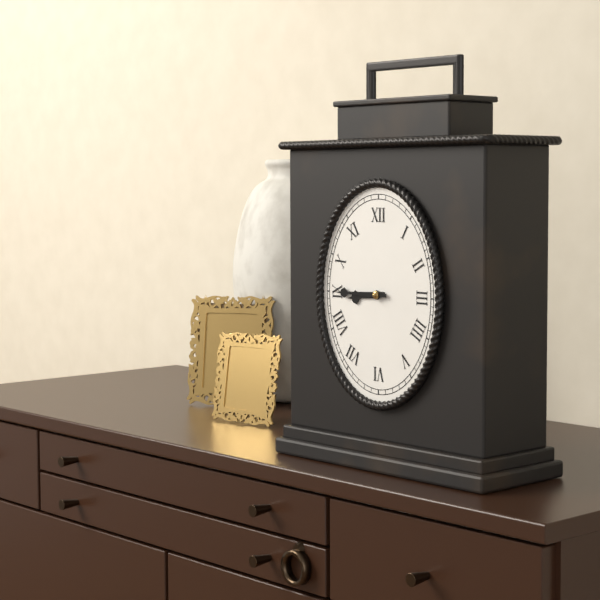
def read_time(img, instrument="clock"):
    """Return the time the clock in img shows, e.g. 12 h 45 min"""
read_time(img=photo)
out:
8 h 45 min
